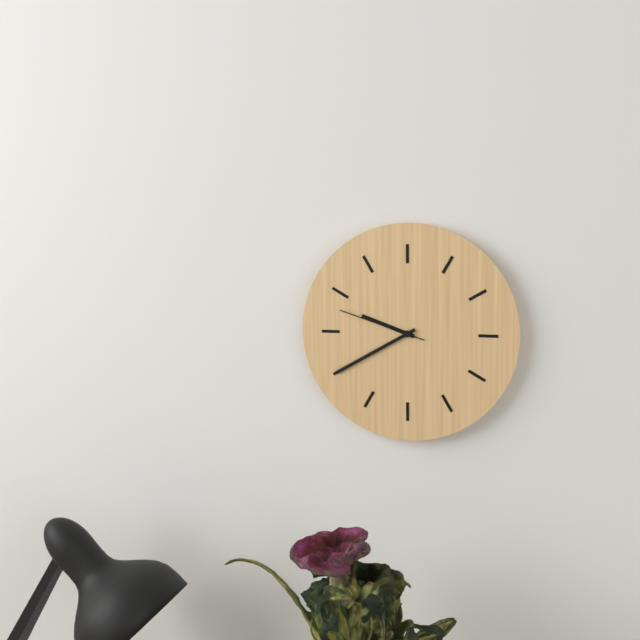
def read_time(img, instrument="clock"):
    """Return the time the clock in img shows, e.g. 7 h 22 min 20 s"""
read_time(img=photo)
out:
9 h 40 min 48 s
